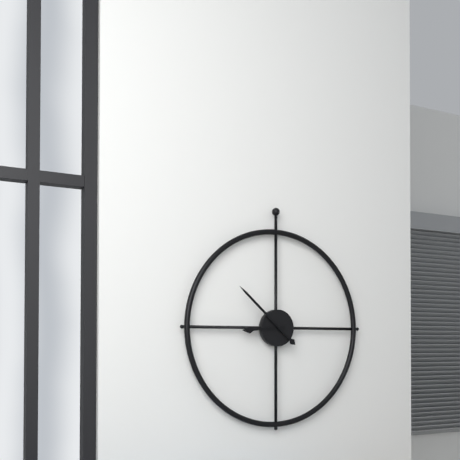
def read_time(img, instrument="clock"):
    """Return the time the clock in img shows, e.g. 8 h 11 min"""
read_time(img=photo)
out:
8 h 52 min
